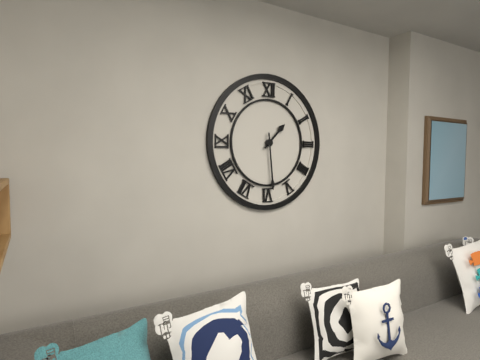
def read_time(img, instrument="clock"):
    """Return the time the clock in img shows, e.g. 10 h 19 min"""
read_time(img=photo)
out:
1 h 29 min
